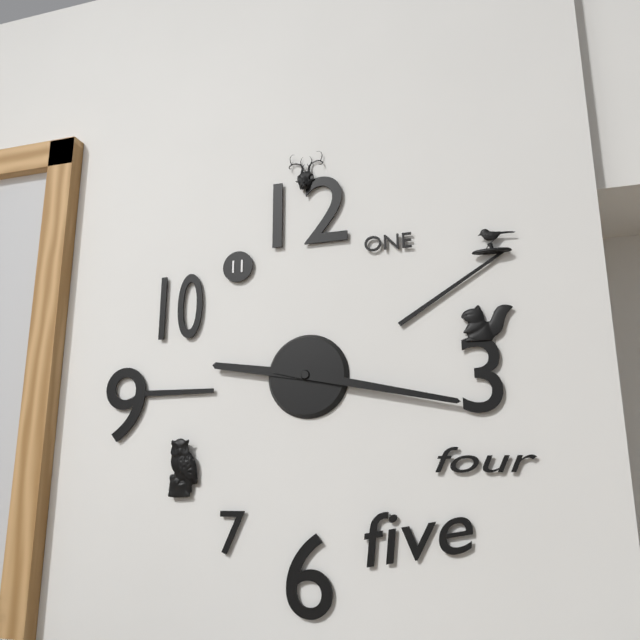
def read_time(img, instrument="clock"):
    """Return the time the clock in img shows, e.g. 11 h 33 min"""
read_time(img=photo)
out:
9 h 17 min
